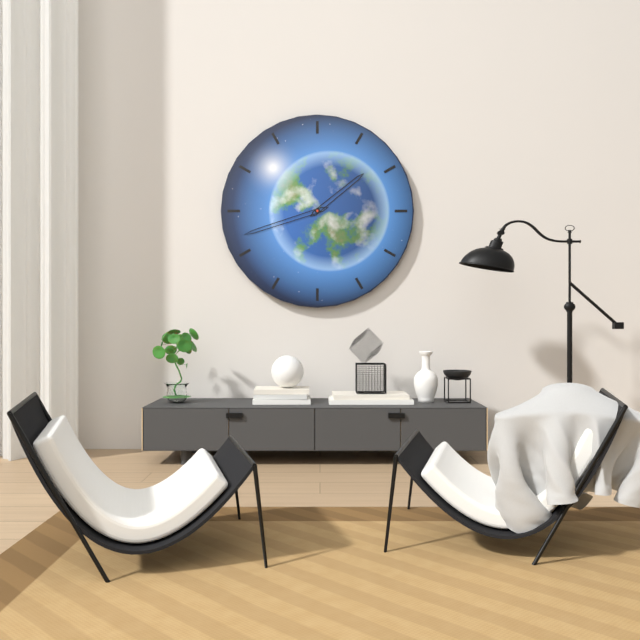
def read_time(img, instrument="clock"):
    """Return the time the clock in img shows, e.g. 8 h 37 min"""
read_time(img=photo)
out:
1 h 42 min
